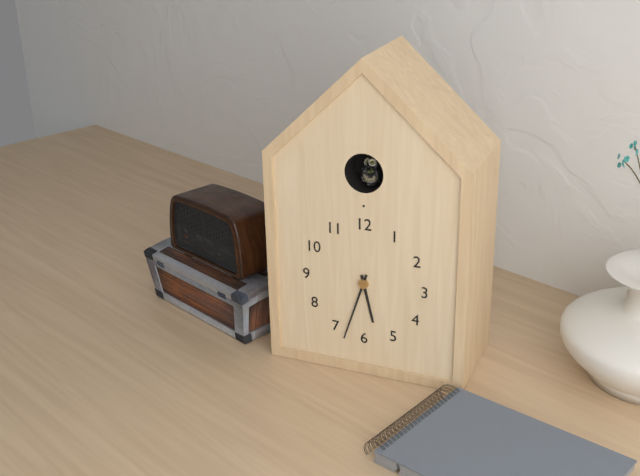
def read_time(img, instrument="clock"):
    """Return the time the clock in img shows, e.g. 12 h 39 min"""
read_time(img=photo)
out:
5 h 33 min
